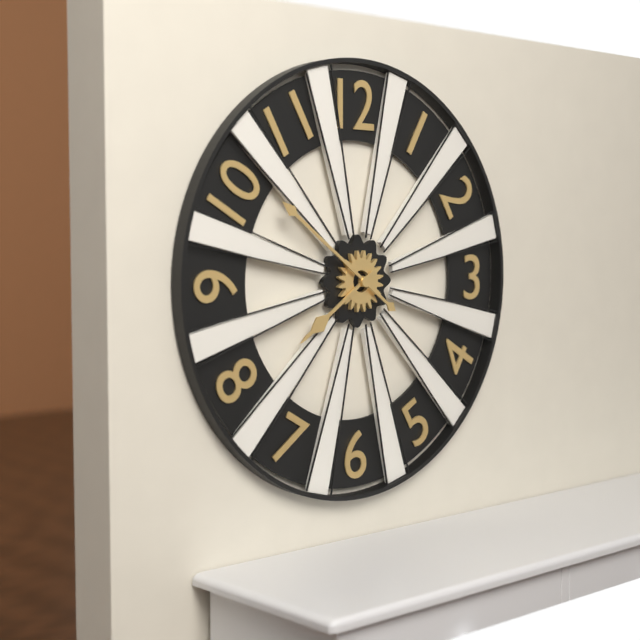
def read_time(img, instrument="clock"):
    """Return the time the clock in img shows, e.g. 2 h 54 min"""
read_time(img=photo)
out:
7 h 51 min
